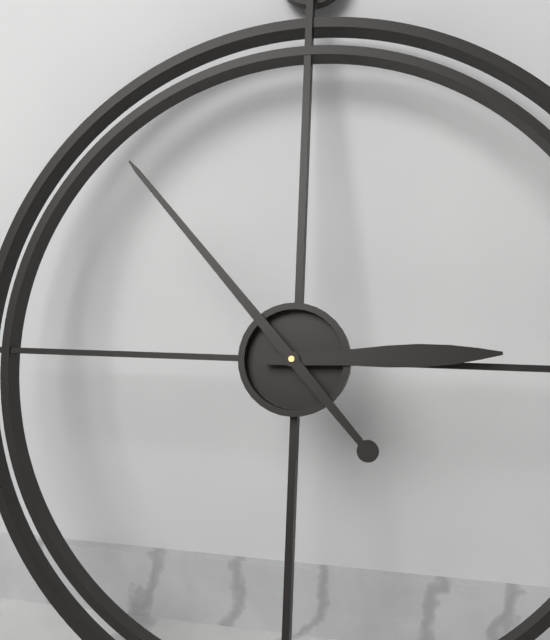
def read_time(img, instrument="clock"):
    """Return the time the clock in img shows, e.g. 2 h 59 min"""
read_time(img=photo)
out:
2 h 53 min
